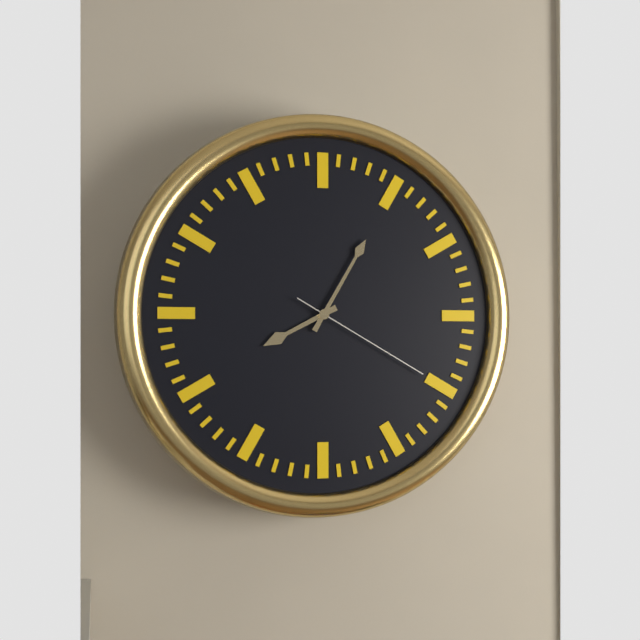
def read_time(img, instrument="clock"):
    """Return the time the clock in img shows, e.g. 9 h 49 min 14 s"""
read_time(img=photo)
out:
8 h 05 min 20 s
